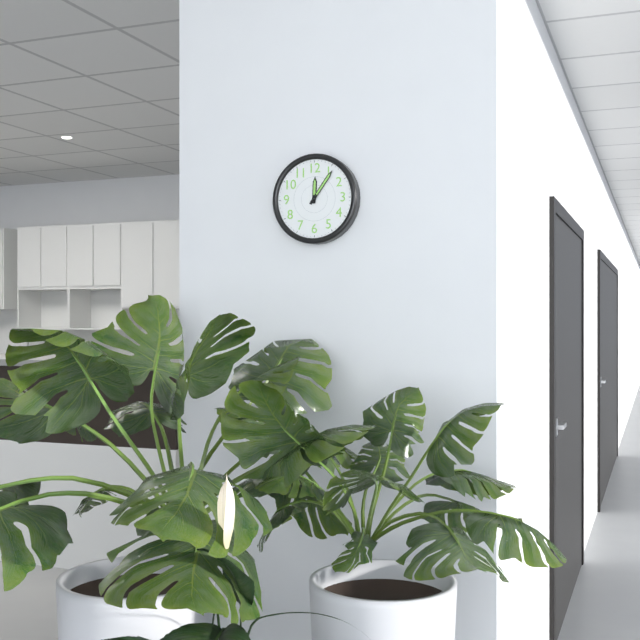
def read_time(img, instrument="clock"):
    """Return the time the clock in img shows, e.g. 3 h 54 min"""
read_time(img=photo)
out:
12 h 06 min
